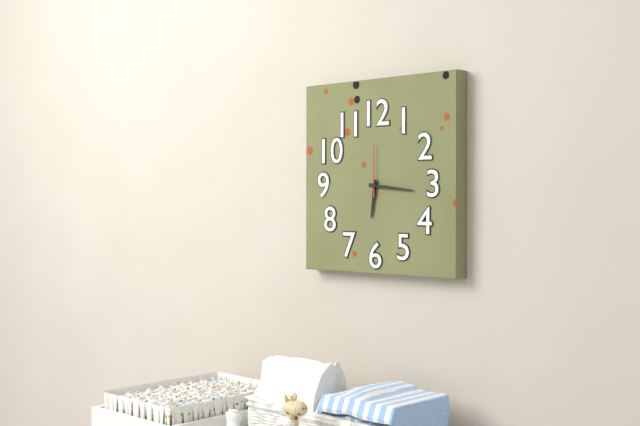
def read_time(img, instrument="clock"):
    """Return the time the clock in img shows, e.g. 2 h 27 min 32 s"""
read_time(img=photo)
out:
6 h 16 min 00 s
